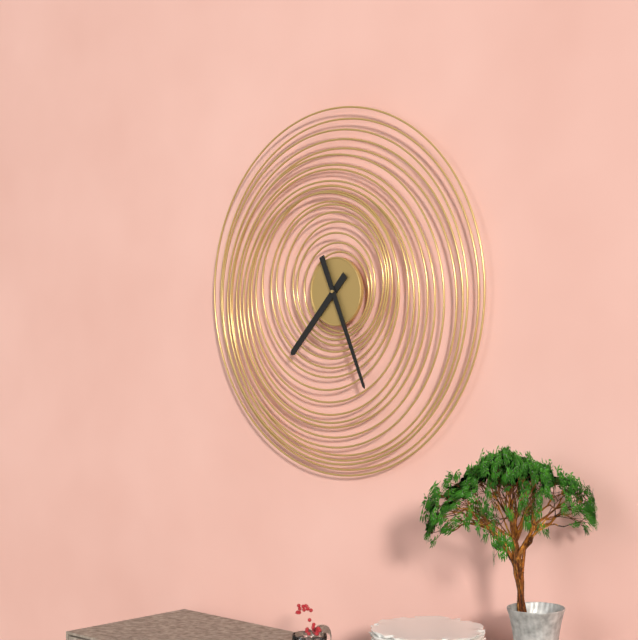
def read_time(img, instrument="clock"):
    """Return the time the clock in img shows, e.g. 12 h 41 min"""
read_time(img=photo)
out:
7 h 26 min
